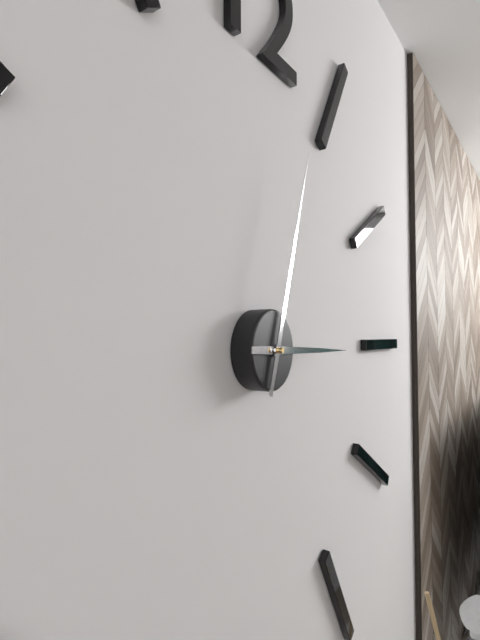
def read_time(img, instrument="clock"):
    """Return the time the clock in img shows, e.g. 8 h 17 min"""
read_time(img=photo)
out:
3 h 03 min
